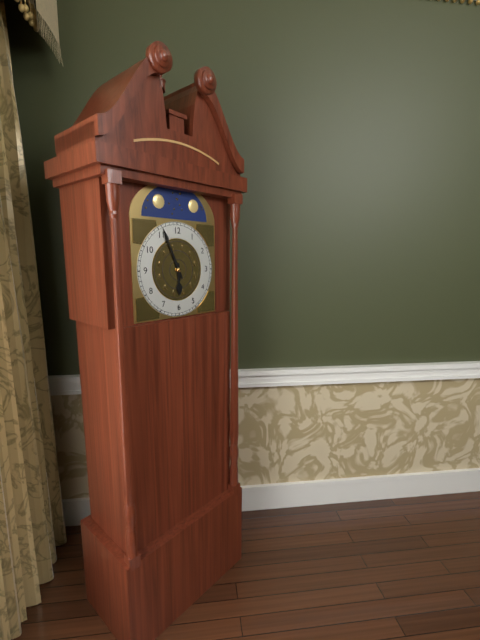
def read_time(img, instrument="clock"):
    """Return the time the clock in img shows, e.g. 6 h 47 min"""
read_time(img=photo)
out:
5 h 56 min
